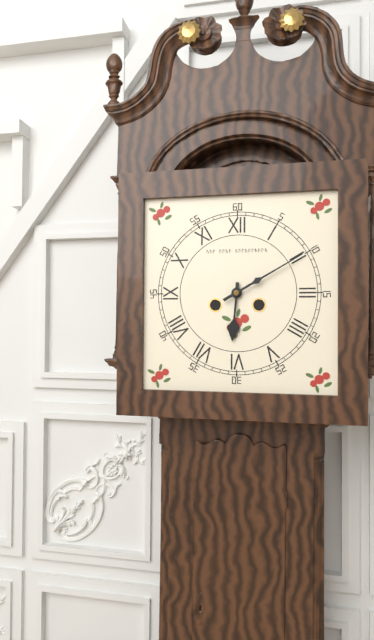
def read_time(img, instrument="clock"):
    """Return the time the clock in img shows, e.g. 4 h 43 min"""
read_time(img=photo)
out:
6 h 10 min
